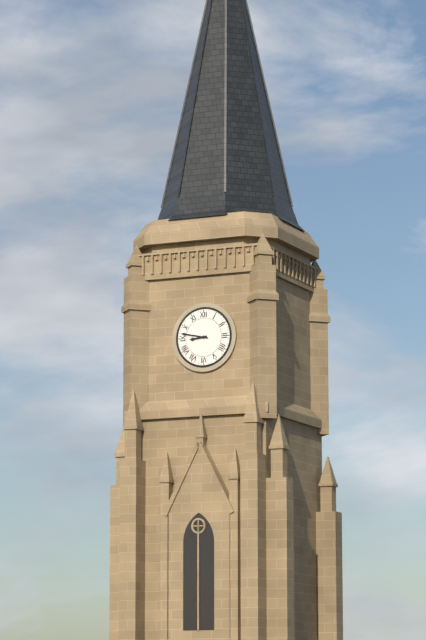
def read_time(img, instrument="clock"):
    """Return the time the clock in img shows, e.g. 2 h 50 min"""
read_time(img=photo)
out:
8 h 47 min
